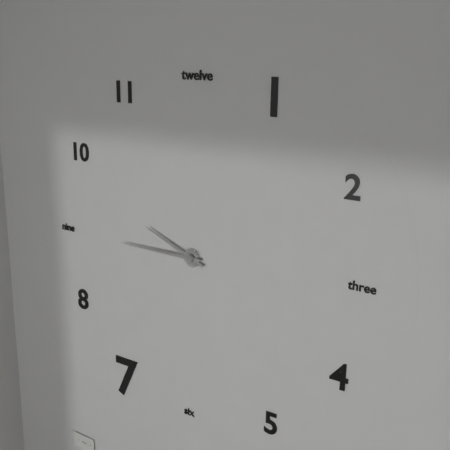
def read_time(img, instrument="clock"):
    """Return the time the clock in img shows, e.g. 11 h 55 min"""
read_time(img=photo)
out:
9 h 45 min
